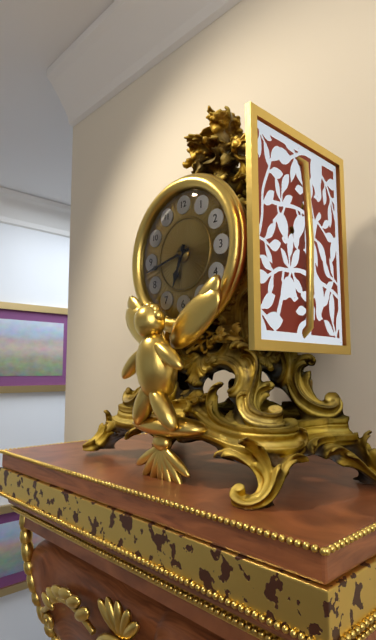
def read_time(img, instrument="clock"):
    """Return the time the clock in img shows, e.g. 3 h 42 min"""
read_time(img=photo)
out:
6 h 43 min
